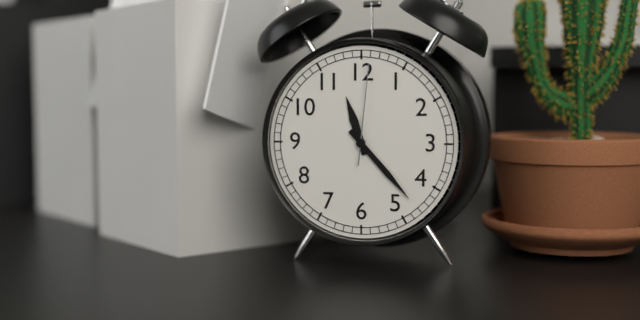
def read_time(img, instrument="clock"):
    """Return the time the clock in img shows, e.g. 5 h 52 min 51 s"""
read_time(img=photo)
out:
11 h 23 min 01 s
